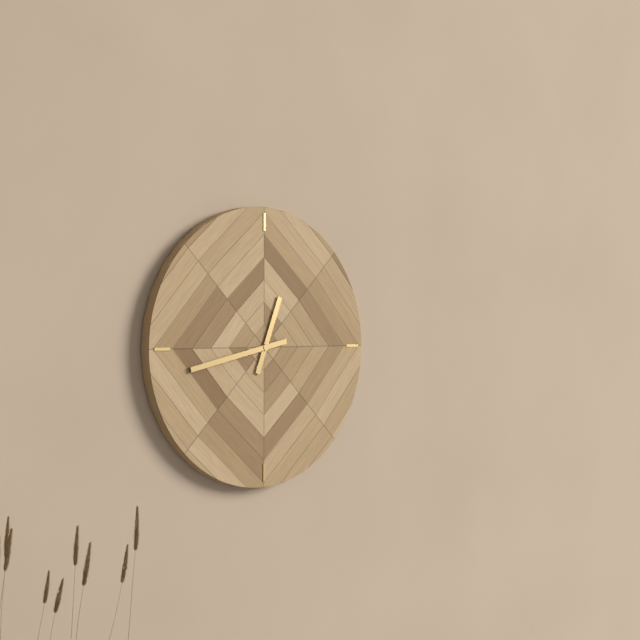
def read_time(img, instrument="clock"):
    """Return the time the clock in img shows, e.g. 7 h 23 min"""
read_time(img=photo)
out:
12 h 43 min
